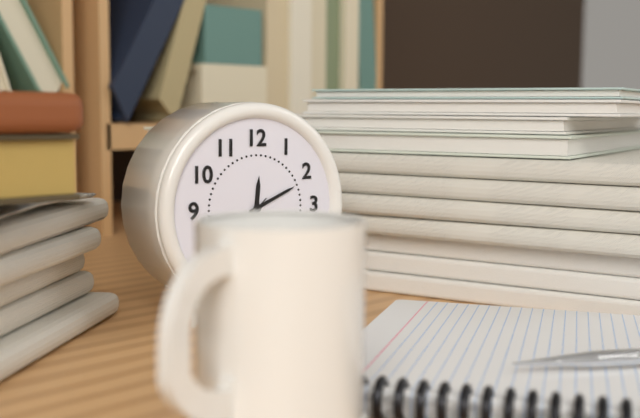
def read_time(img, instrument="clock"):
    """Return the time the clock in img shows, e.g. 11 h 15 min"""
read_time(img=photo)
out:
12 h 11 min
